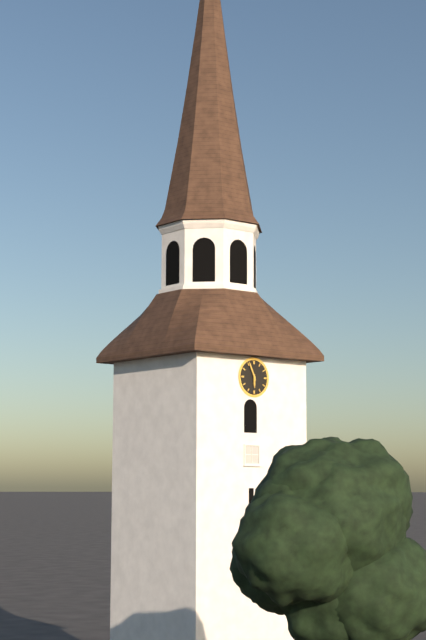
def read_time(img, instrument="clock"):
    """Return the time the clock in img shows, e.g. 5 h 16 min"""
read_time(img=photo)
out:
5 h 56 min
